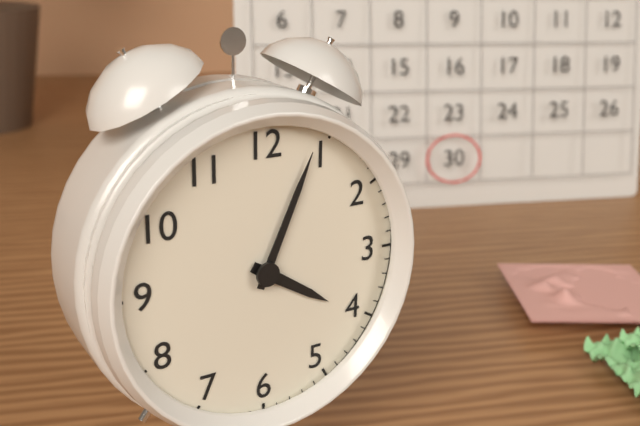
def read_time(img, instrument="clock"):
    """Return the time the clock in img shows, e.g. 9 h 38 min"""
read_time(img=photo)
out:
4 h 04 min
